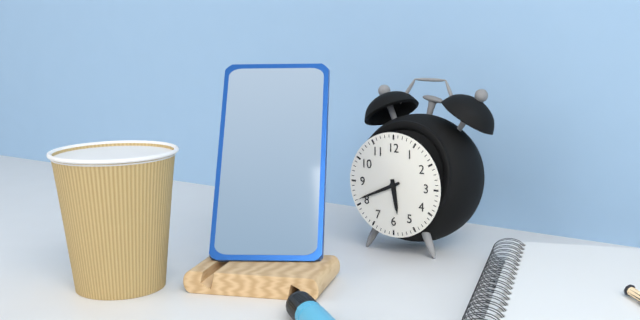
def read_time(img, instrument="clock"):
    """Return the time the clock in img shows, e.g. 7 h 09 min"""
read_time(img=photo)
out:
5 h 41 min
